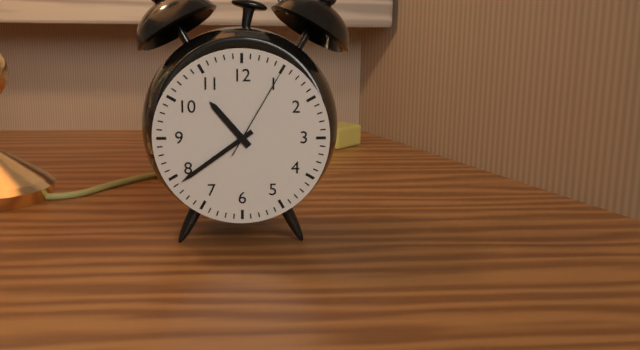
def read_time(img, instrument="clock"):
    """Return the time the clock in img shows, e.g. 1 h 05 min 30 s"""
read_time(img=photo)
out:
10 h 39 min 05 s
